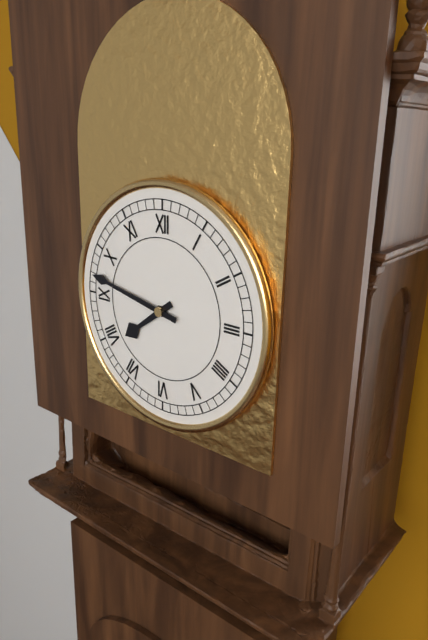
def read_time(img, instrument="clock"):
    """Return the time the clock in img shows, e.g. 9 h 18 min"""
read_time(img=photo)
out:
7 h 47 min
